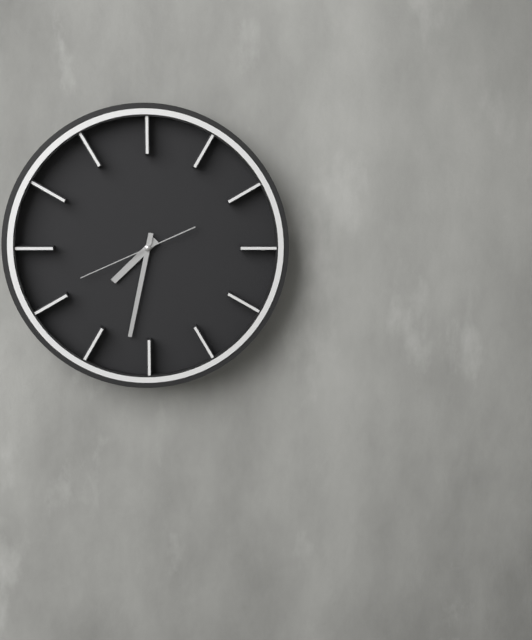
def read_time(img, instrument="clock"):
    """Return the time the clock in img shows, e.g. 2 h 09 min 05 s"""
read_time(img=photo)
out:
7 h 32 min 41 s
